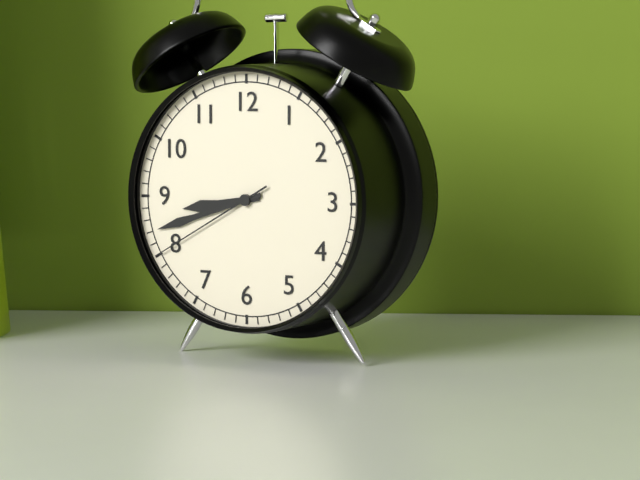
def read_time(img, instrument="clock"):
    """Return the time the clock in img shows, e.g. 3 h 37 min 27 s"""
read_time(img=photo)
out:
8 h 42 min 40 s
